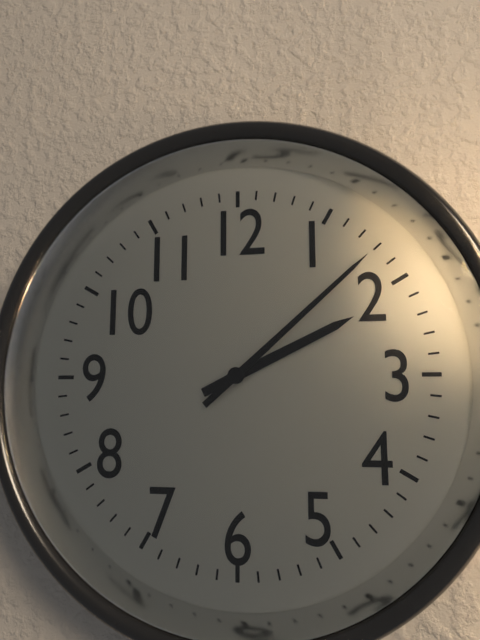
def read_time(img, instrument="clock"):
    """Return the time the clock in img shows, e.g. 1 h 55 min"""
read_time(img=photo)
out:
2 h 08 min
